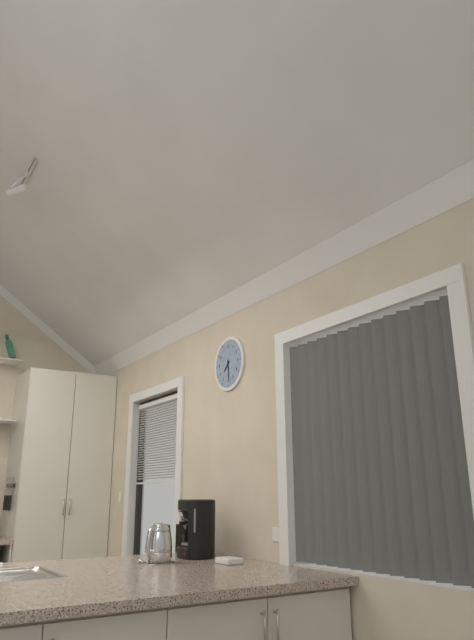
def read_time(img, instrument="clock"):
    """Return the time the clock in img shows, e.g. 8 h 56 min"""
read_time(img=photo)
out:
7 h 29 min
